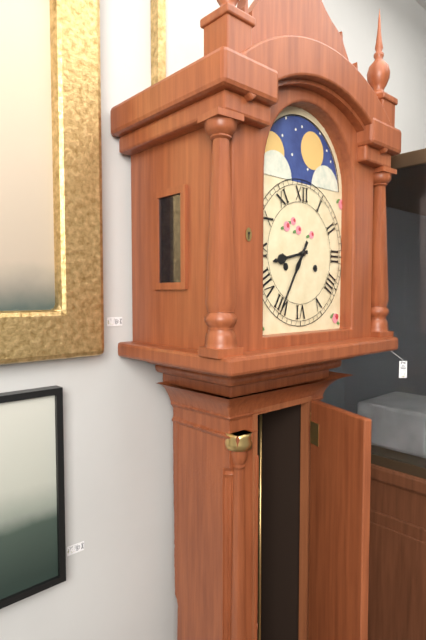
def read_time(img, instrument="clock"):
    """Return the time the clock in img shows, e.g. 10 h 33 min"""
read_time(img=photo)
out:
8 h 35 min
